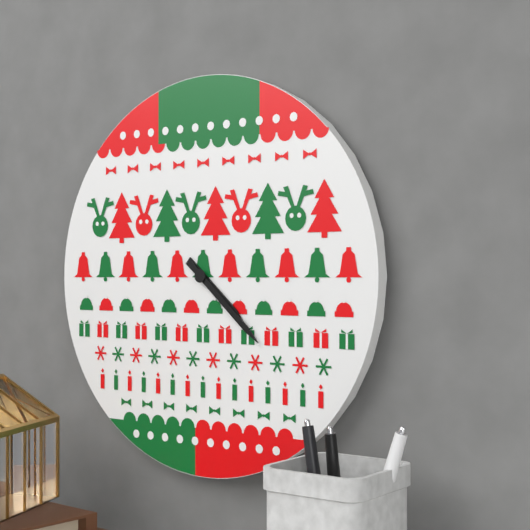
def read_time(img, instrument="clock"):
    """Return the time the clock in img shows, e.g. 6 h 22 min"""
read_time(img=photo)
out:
4 h 22 min
